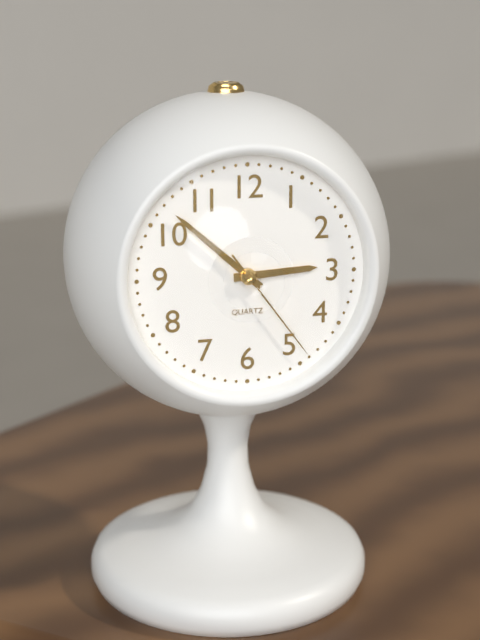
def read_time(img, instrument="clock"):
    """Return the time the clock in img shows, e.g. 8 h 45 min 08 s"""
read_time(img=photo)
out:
2 h 52 min 24 s
